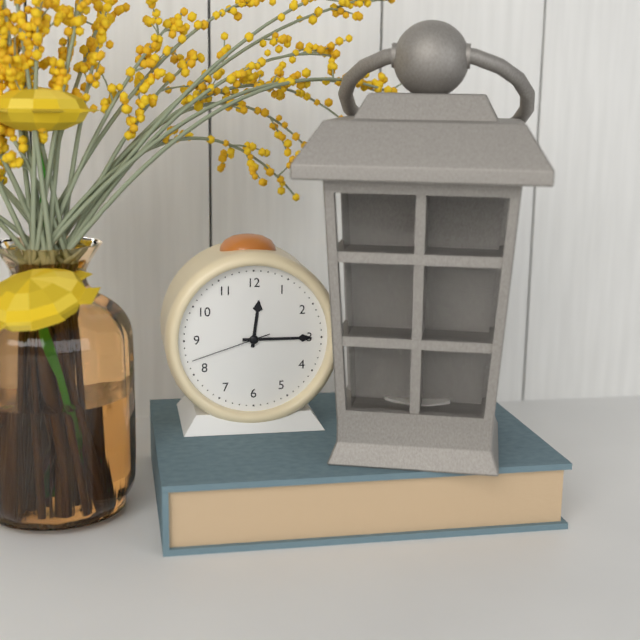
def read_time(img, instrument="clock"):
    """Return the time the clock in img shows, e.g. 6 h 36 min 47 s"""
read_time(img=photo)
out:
12 h 15 min 42 s
